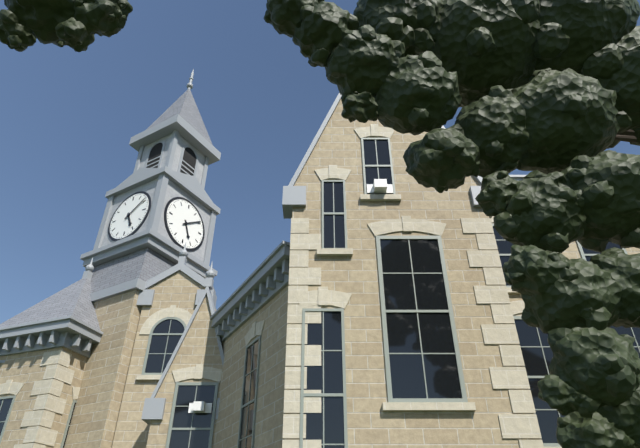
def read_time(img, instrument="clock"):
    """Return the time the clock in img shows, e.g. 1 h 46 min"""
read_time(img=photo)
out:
5 h 09 min
